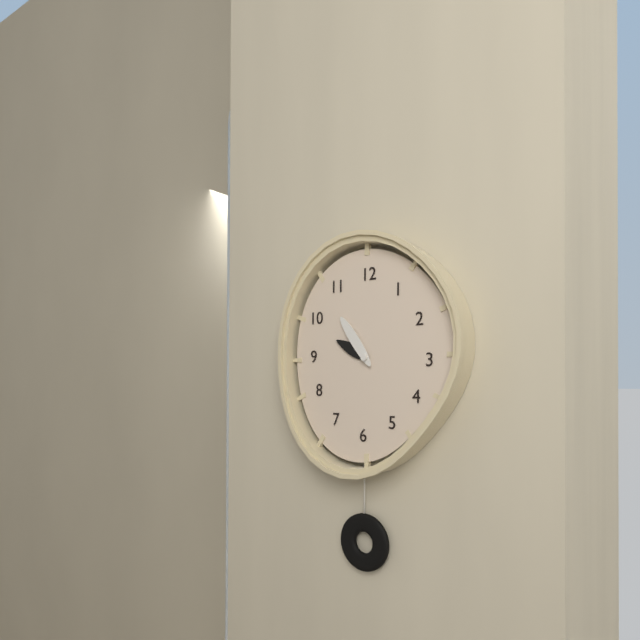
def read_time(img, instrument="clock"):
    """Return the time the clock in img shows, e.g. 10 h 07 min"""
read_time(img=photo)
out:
9 h 54 min
